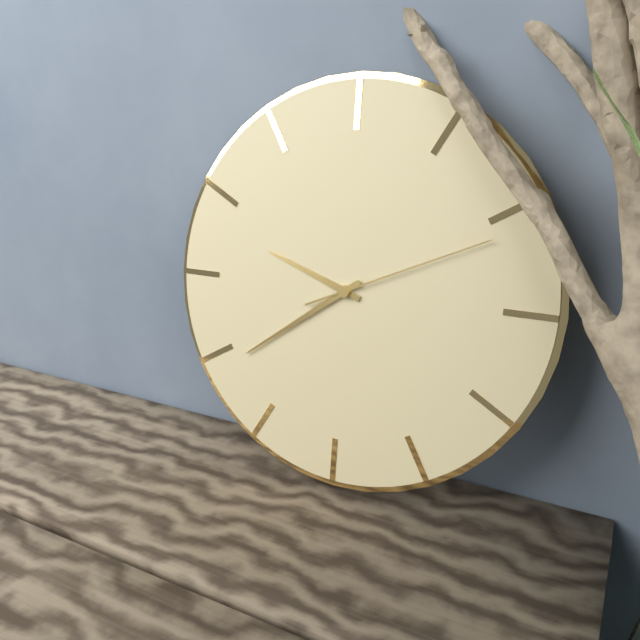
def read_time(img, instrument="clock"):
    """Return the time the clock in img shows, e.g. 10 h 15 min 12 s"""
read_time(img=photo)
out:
9 h 39 min 11 s
